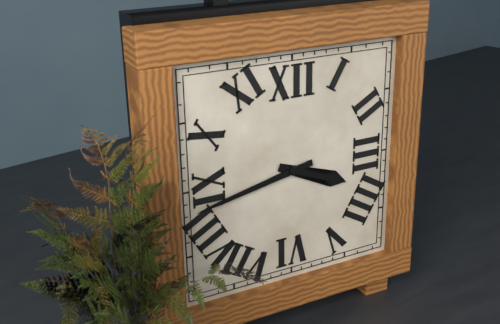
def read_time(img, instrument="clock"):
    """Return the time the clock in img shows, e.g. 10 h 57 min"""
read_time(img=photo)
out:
3 h 43 min
